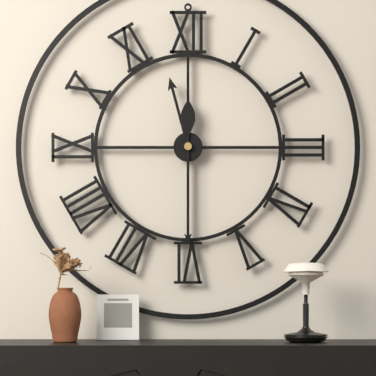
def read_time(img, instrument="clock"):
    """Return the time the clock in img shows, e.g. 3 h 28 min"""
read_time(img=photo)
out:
11 h 30 min
